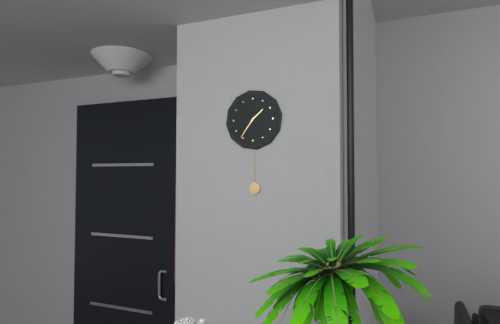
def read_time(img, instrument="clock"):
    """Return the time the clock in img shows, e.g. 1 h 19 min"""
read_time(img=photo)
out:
1 h 36 min
